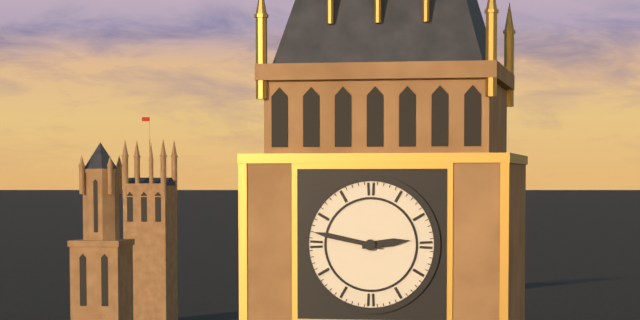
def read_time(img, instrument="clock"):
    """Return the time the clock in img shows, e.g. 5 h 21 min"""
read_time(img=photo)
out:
2 h 47 min
